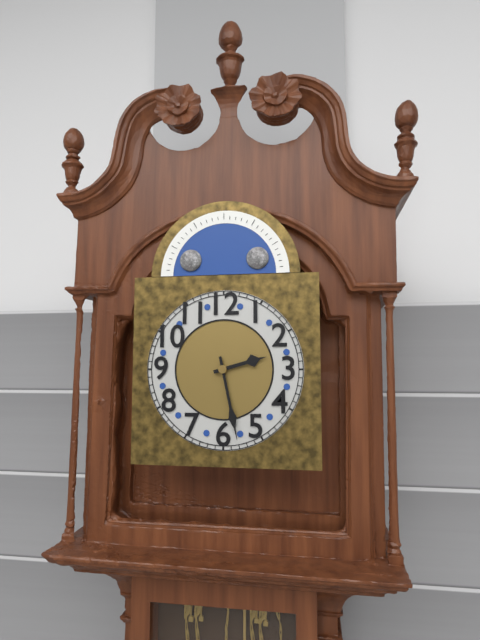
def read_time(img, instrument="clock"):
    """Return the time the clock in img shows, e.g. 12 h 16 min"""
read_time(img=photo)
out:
2 h 28 min
